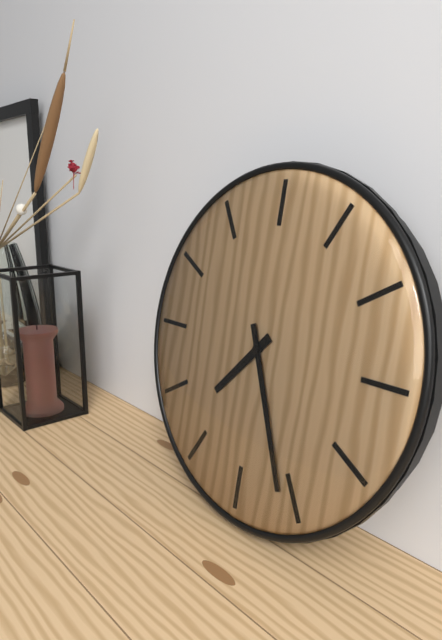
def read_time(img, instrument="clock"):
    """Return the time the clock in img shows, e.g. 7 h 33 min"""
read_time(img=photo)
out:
7 h 26 min
